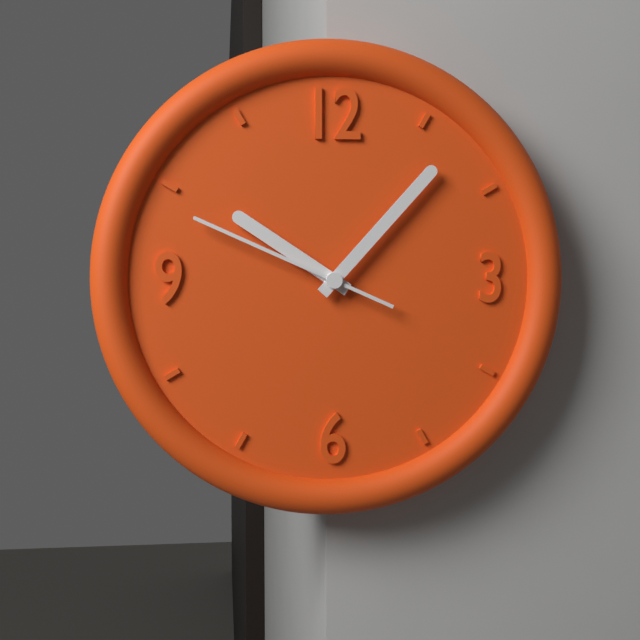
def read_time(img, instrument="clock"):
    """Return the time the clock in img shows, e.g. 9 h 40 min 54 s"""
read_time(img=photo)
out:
10 h 07 min 49 s
